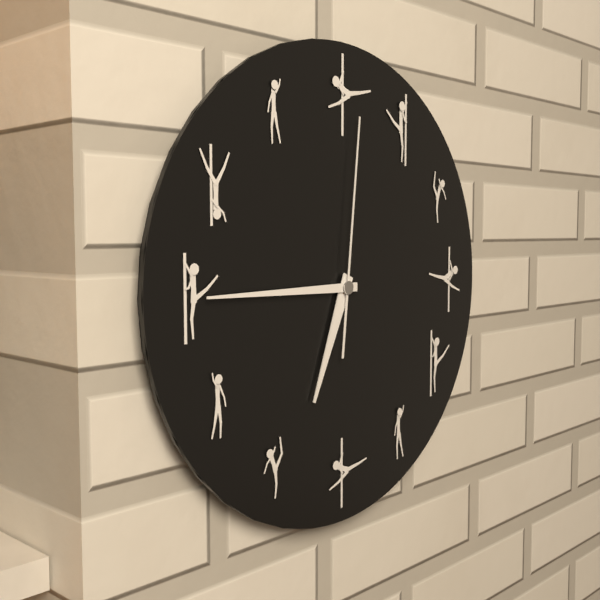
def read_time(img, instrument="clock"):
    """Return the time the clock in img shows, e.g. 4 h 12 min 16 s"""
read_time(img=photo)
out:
6 h 45 min 01 s
